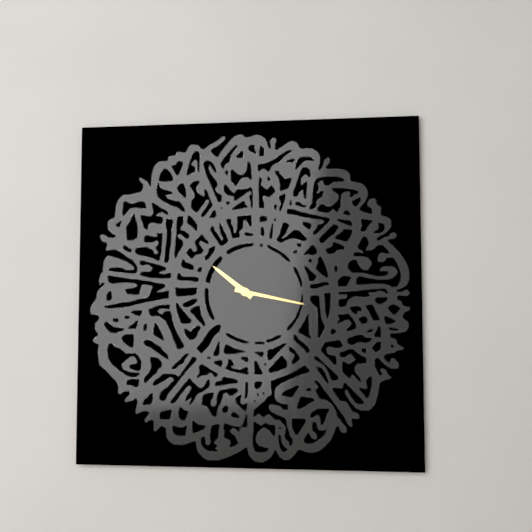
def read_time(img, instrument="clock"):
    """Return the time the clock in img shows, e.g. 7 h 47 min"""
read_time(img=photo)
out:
10 h 17 min
